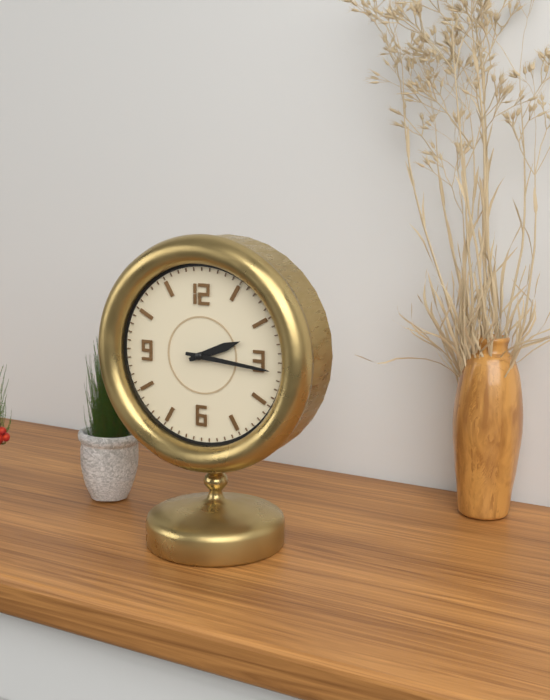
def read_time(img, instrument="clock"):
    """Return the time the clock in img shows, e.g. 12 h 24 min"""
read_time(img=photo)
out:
2 h 16 min
